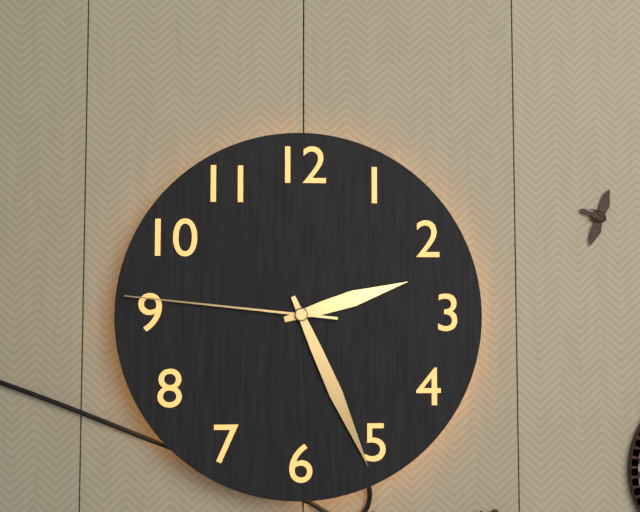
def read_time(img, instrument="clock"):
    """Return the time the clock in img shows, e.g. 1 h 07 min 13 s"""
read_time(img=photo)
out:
2 h 26 min 46 s
